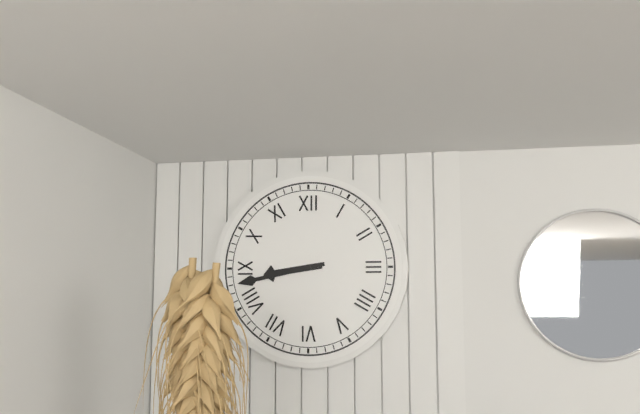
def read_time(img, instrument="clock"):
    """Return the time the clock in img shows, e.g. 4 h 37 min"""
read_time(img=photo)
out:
8 h 43 min
